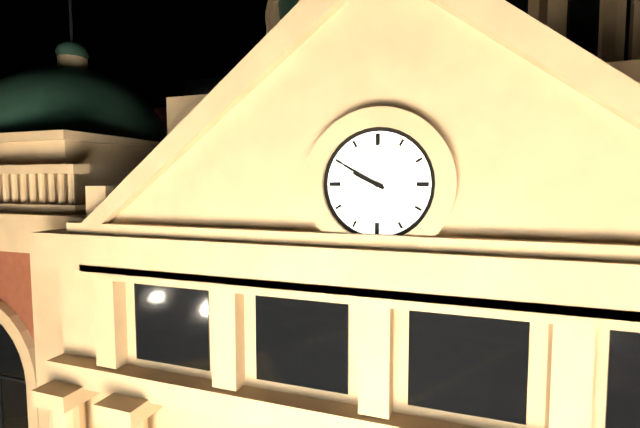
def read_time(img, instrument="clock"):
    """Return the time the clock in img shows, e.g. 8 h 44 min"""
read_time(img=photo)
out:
9 h 50 min
